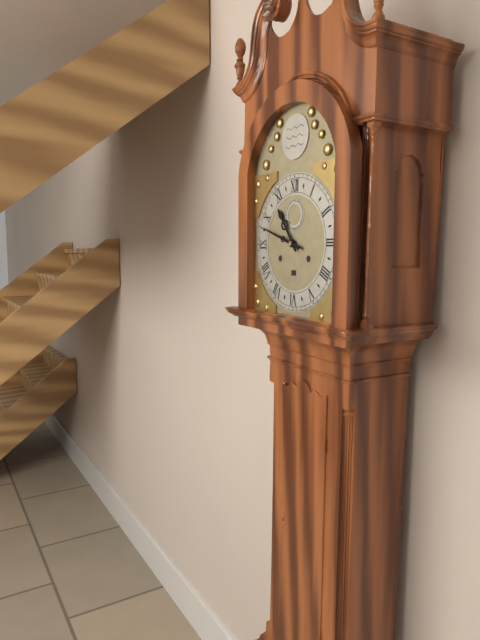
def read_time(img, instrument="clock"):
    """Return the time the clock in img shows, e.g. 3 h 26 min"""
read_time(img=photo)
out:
10 h 48 min
